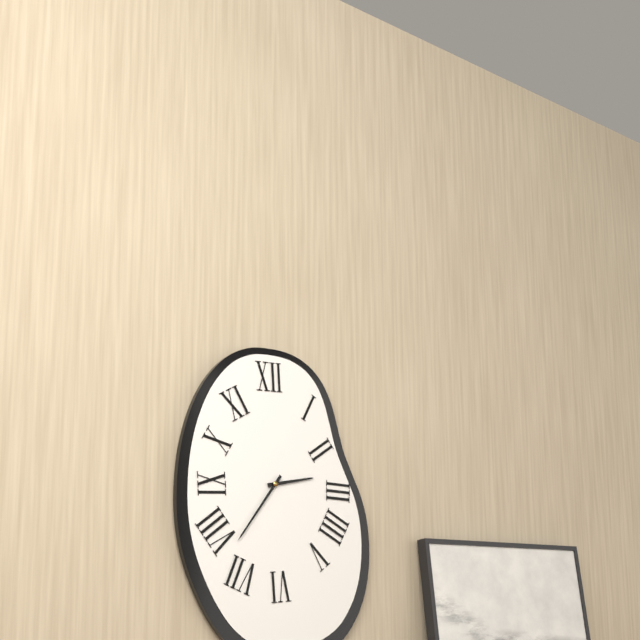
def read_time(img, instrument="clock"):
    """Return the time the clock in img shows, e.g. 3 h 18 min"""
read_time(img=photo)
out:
2 h 36 min
